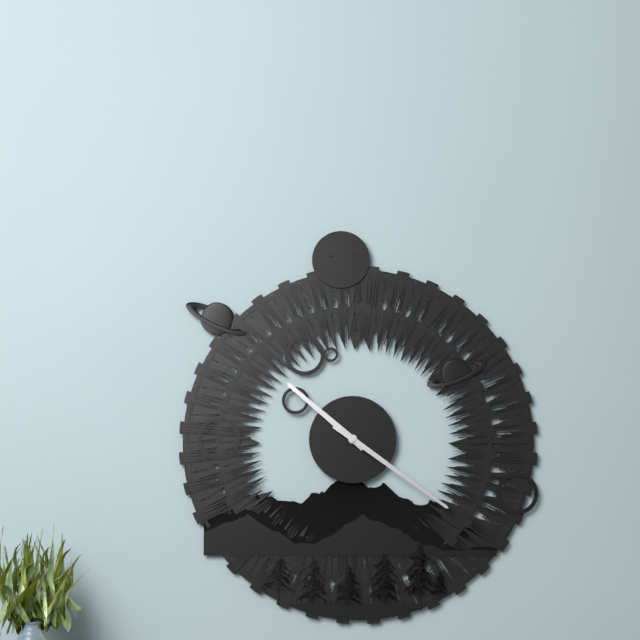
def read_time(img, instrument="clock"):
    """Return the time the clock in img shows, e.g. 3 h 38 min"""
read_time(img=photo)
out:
10 h 21 min
